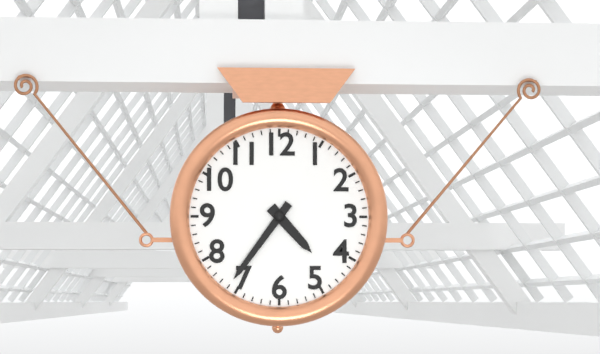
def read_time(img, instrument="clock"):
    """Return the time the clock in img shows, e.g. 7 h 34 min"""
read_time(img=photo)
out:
4 h 36 min
